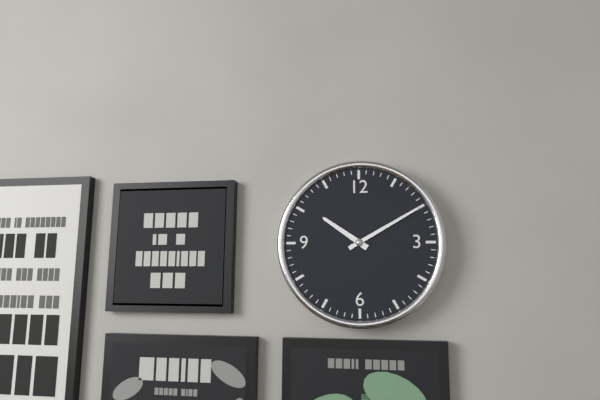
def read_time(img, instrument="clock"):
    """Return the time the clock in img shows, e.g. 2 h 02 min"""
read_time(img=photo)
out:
10 h 10 min
